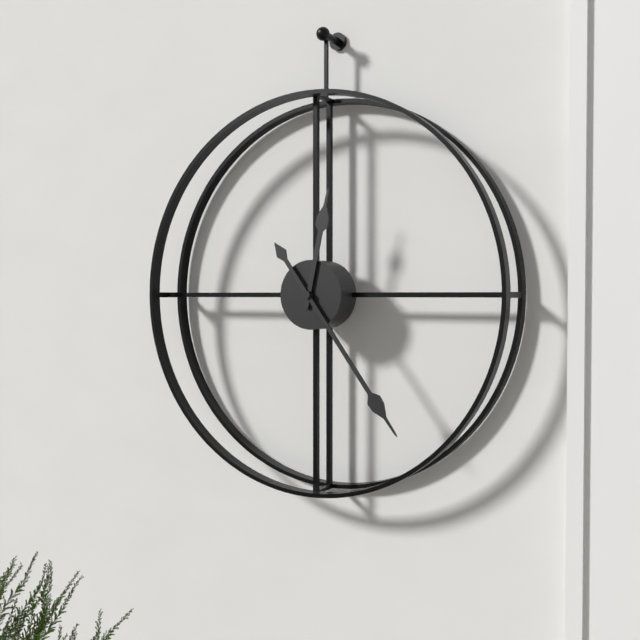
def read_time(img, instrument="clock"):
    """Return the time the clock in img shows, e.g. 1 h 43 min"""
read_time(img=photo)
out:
12 h 24 min
